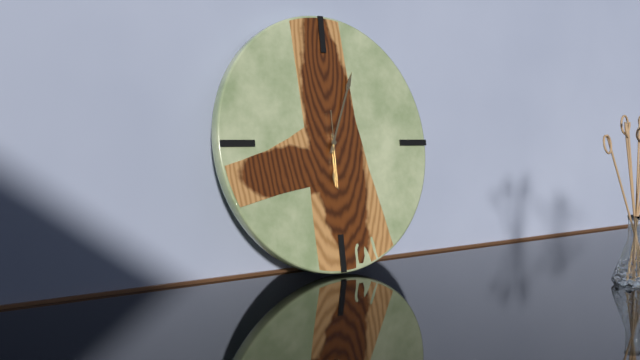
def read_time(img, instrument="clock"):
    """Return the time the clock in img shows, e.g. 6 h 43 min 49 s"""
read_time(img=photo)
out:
6 h 04 min 30 s
